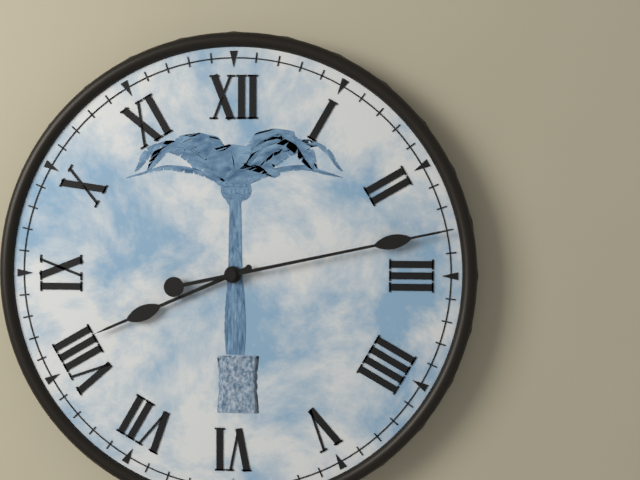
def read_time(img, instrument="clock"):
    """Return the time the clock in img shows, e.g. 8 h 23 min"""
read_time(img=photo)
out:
8 h 13 min
